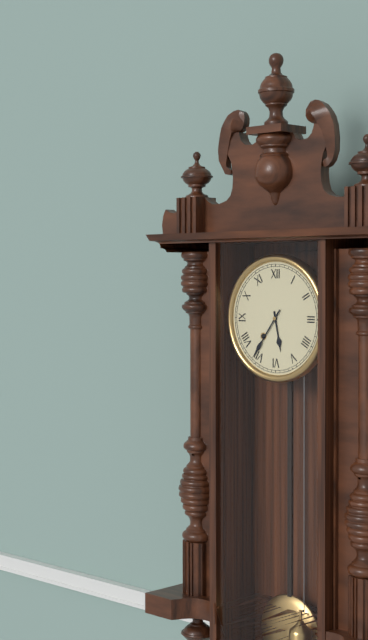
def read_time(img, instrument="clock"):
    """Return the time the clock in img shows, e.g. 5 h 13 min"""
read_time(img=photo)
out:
5 h 36 min
